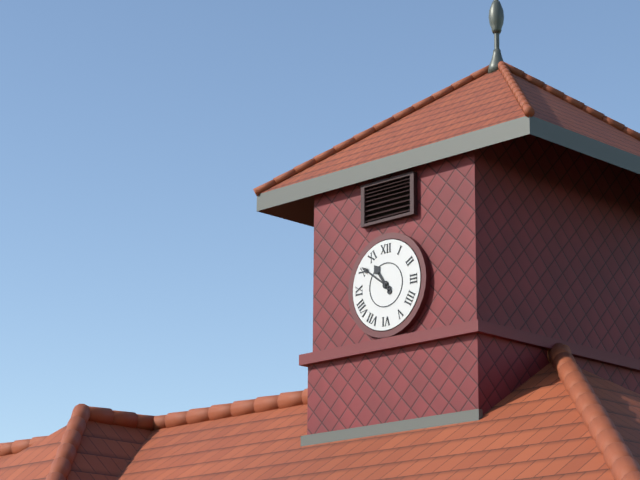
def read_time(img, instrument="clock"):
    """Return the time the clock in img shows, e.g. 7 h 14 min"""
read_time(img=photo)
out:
10 h 51 min
